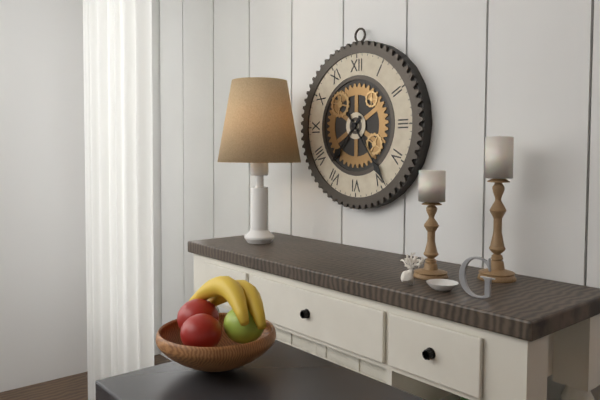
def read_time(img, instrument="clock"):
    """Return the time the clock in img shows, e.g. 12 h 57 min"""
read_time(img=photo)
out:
7 h 24 min
